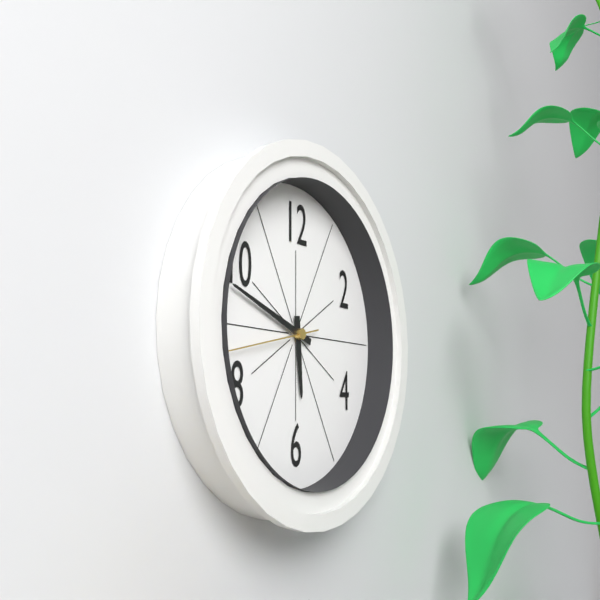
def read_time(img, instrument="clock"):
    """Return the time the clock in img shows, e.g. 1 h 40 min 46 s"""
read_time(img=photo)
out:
5 h 48 min 43 s
